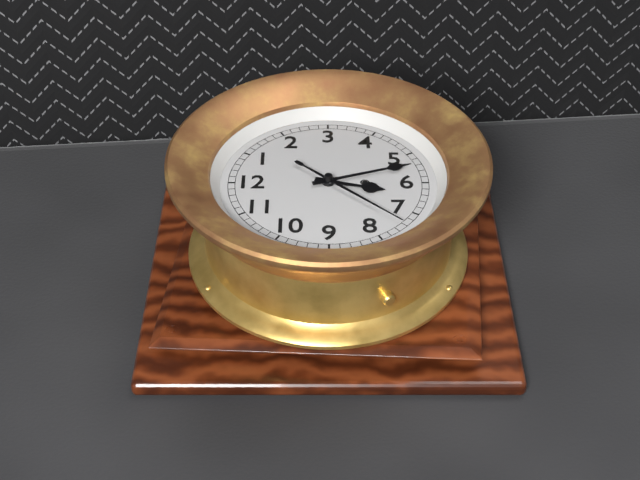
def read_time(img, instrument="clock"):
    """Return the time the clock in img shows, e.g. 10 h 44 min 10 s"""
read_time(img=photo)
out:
6 h 27 min 37 s
